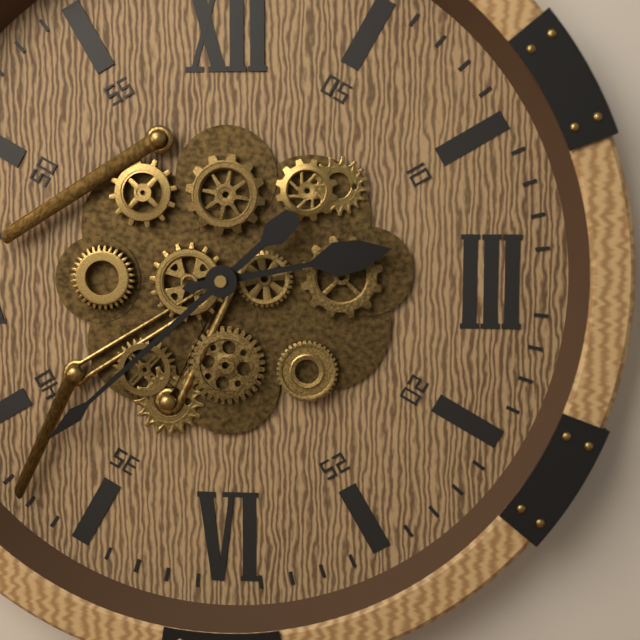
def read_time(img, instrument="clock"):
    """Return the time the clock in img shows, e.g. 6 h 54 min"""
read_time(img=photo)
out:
2 h 38 min
